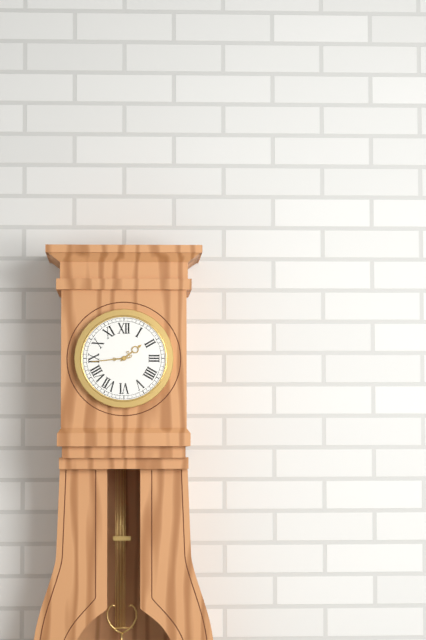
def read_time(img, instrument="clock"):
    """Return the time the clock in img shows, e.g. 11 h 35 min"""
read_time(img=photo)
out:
1 h 44 min
